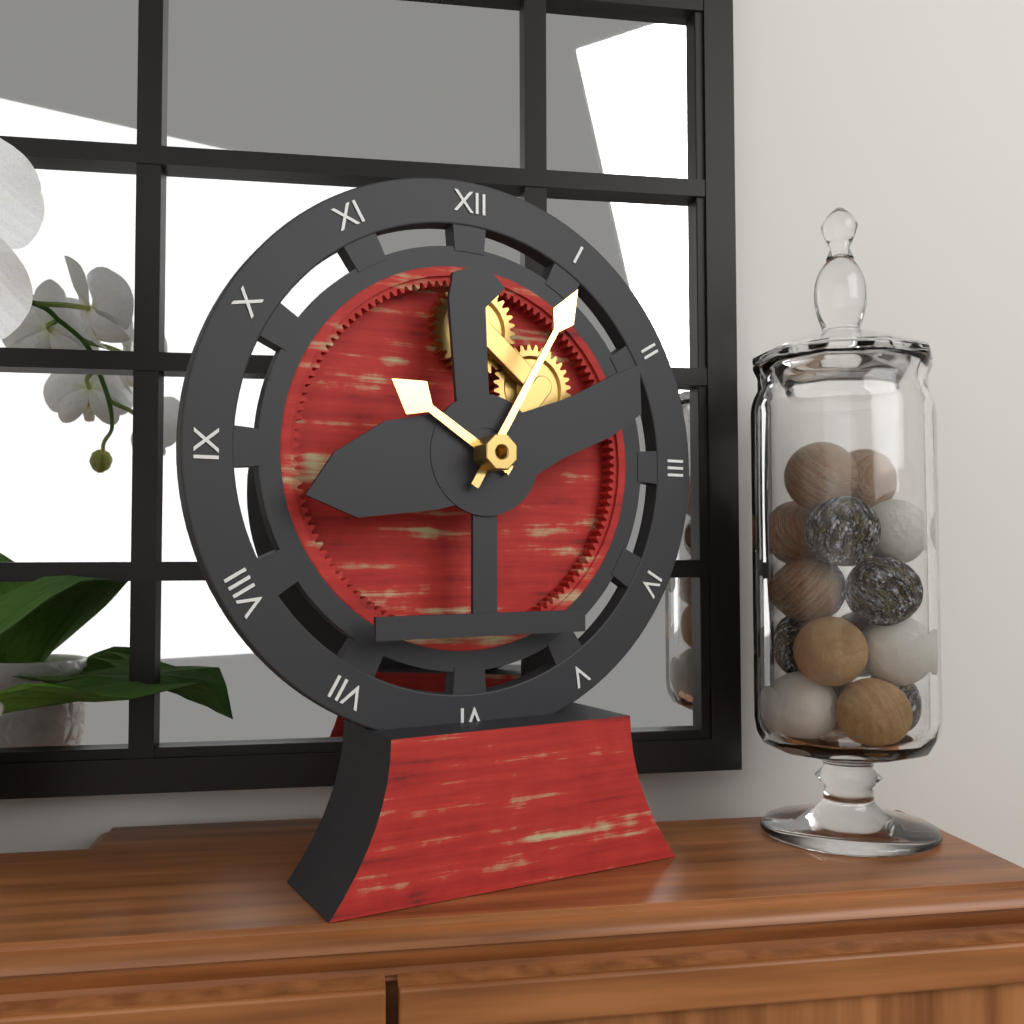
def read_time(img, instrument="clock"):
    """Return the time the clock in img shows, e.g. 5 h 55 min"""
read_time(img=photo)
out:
10 h 05 min
